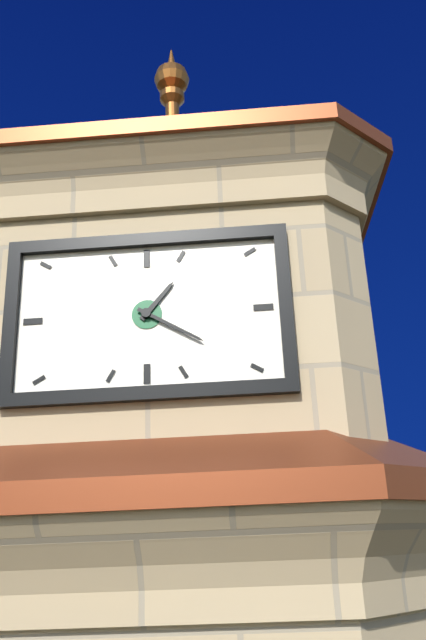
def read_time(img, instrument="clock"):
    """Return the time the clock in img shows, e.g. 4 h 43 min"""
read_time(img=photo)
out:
1 h 20 min
